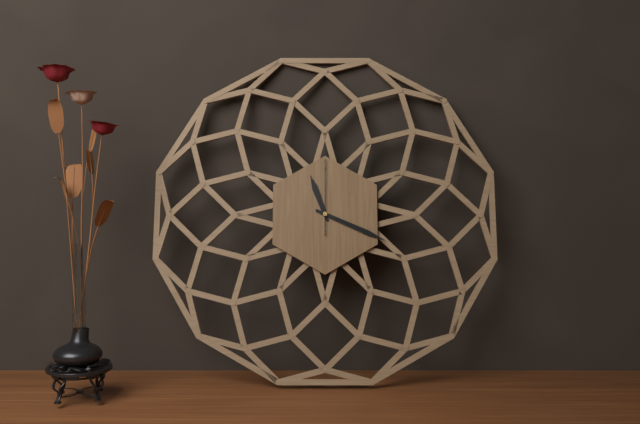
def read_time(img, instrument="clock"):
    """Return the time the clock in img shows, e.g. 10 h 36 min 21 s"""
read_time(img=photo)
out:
11 h 19 min 00 s
